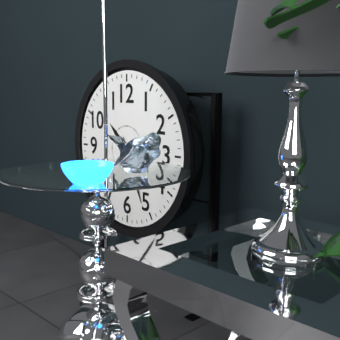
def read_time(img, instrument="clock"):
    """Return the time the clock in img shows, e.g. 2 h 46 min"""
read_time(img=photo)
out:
10 h 26 min
